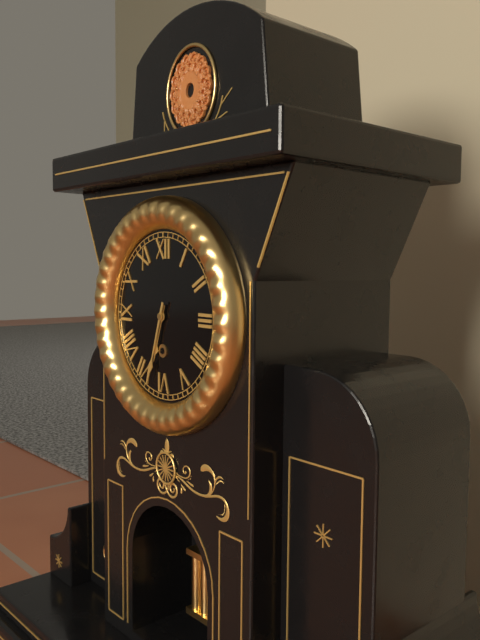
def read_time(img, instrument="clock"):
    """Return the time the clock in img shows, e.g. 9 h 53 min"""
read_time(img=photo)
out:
6 h 33 min
